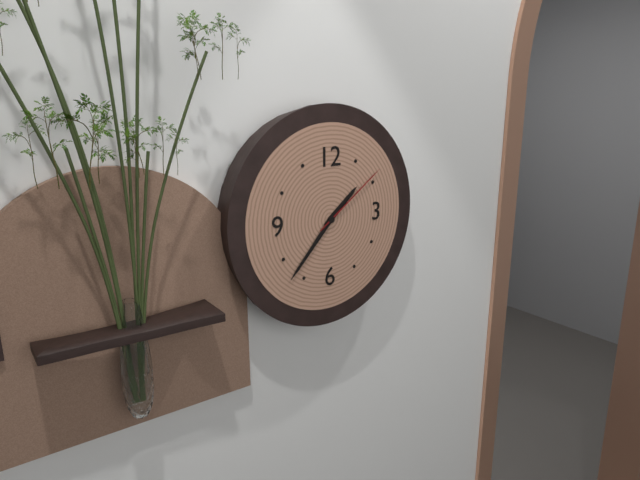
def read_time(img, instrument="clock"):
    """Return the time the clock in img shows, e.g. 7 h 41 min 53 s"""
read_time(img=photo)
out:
1 h 37 min 09 s
